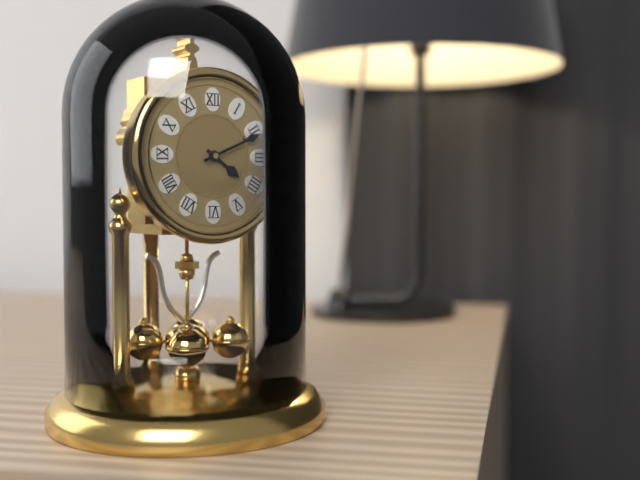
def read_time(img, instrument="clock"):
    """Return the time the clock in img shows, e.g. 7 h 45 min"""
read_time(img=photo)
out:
4 h 11 min
